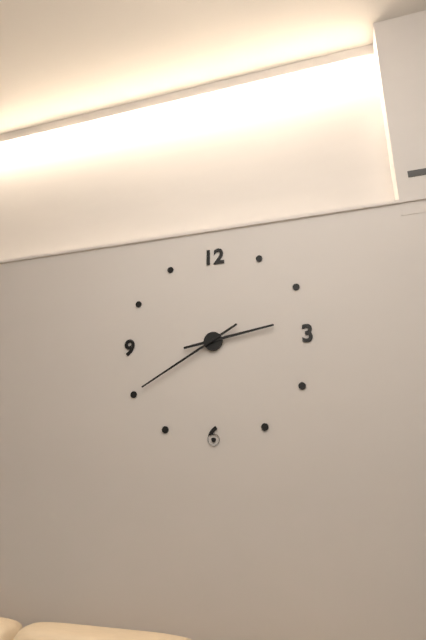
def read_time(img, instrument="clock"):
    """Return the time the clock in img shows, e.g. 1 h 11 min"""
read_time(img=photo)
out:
2 h 40 min
